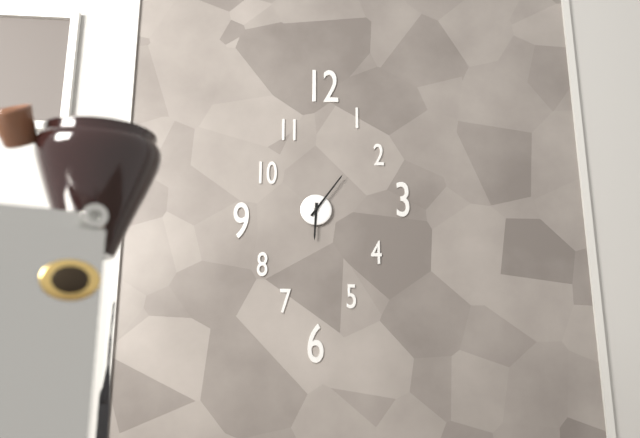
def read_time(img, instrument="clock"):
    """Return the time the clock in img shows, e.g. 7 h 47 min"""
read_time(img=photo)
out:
6 h 06 min
